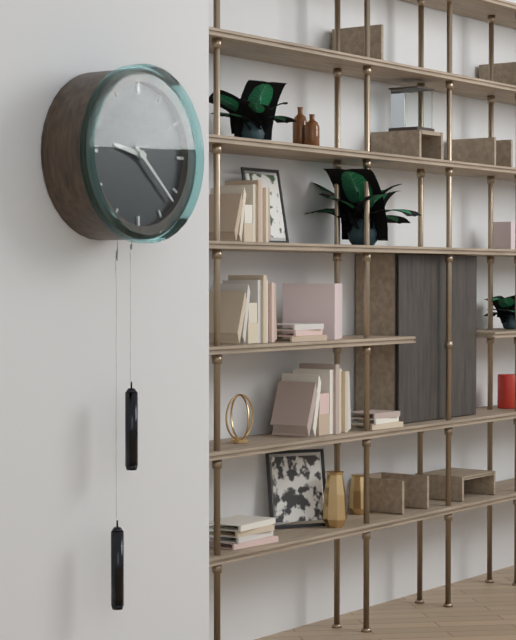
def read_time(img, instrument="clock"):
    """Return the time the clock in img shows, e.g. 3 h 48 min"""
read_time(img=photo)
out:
9 h 22 min
